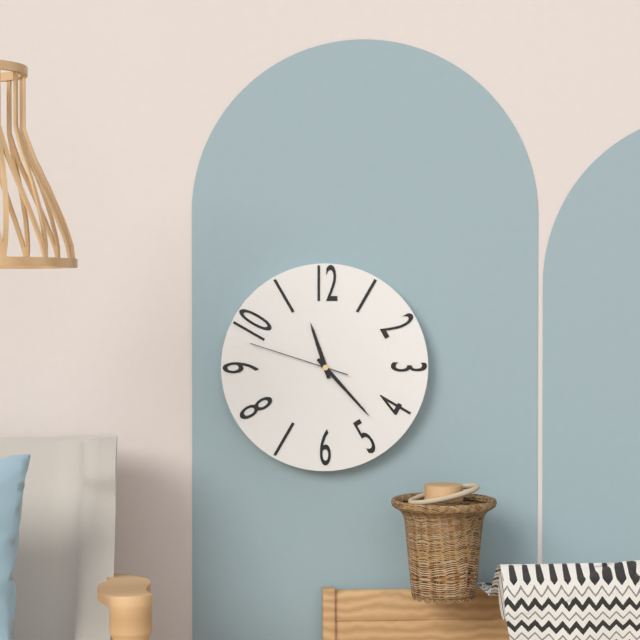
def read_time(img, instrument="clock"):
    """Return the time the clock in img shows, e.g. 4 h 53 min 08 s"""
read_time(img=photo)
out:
11 h 23 min 48 s
